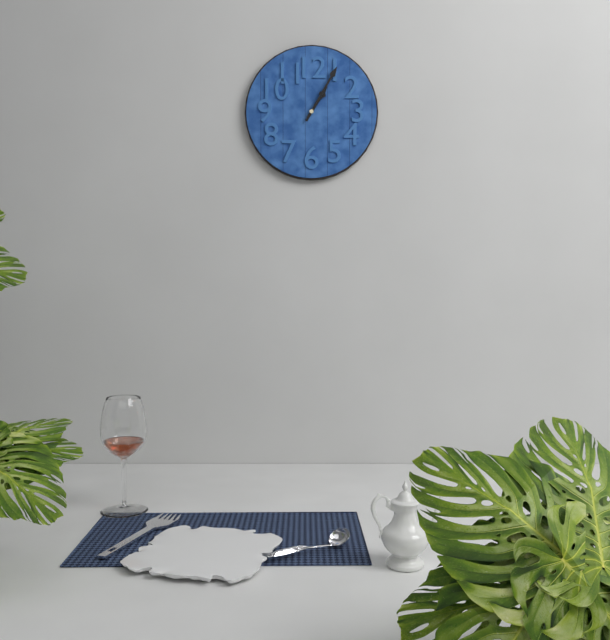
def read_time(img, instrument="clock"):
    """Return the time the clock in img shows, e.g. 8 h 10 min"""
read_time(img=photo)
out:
1 h 05 min
